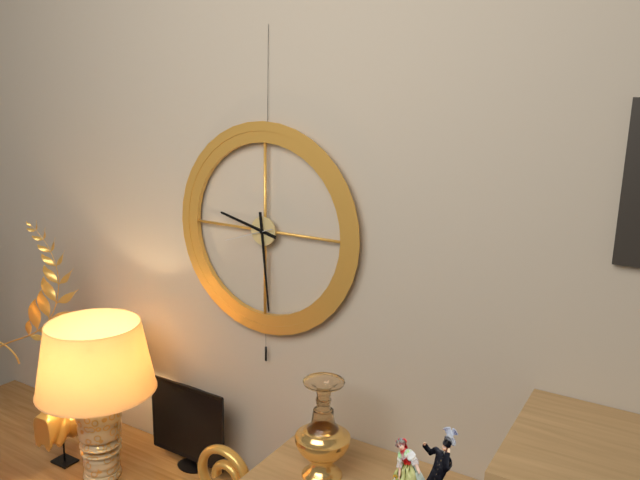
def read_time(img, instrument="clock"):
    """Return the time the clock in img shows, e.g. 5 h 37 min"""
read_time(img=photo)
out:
9 h 29 min
